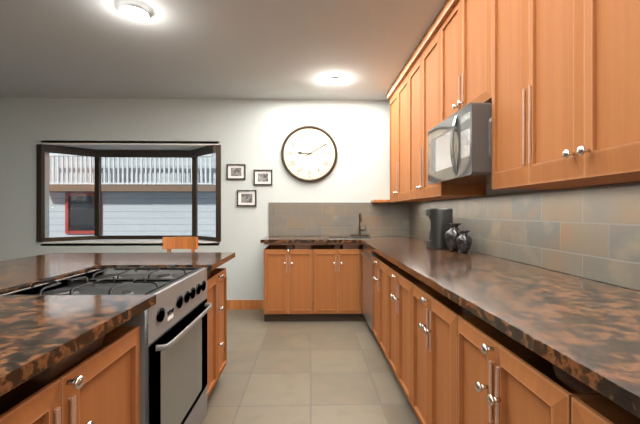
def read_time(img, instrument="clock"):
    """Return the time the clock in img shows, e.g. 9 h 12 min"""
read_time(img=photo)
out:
9 h 10 min
